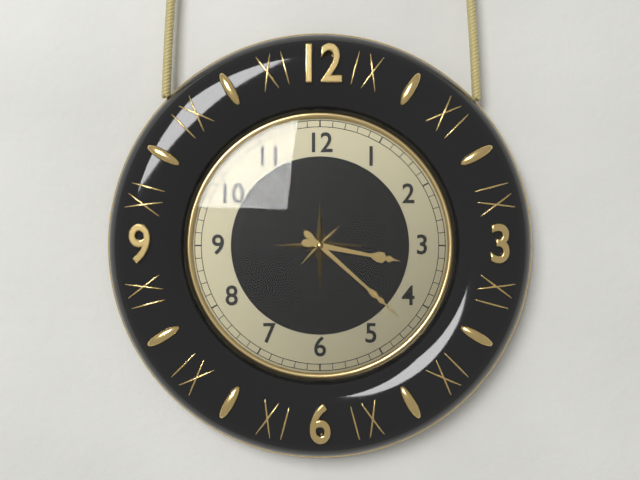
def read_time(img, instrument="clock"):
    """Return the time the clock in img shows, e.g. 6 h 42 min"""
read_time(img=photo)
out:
3 h 22 min
